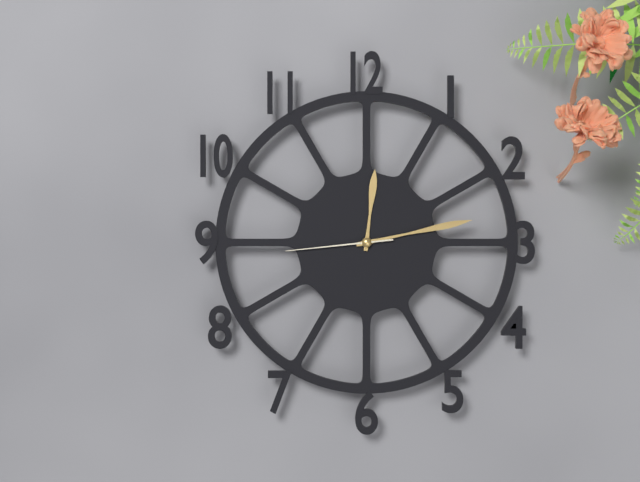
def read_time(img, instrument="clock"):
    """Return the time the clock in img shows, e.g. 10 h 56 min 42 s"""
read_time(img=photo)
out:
12 h 13 min 44 s
